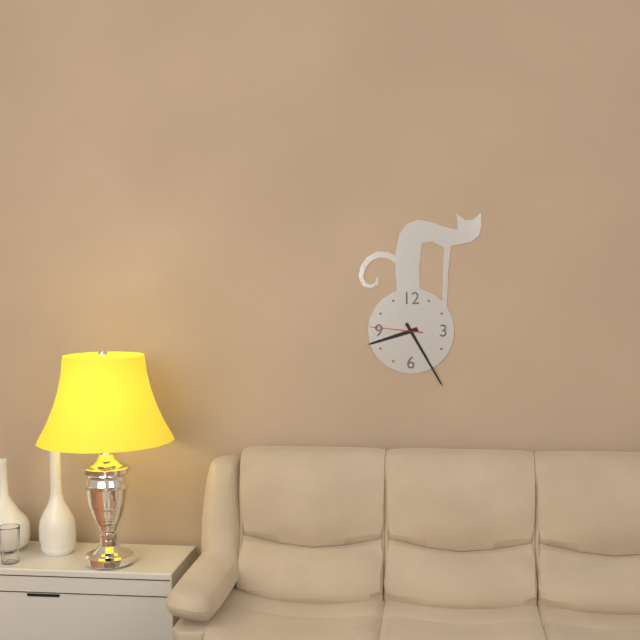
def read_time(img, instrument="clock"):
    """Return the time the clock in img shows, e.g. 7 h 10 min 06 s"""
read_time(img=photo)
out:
8 h 25 min 46 s
